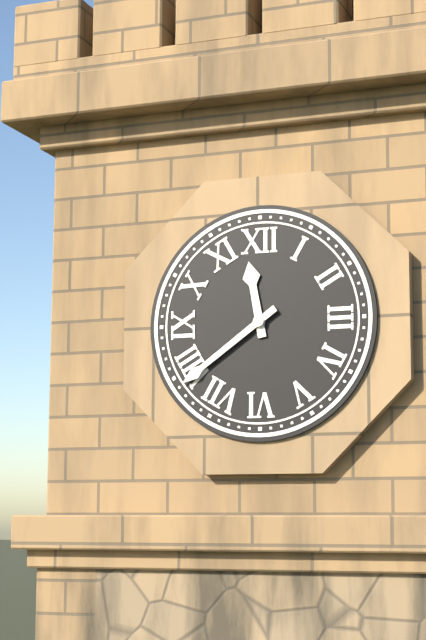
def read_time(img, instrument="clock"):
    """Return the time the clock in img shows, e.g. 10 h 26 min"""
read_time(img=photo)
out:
11 h 39 min
